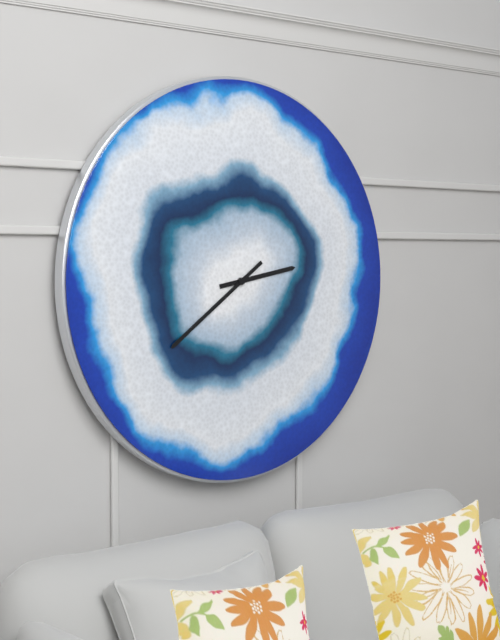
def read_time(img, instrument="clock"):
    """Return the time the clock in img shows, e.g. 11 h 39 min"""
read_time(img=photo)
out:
2 h 39 min
